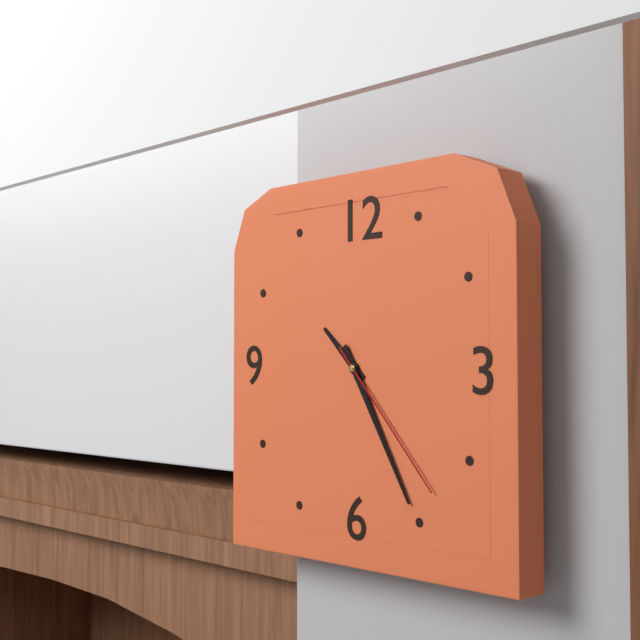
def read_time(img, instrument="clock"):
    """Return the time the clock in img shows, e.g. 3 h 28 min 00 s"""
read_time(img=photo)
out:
10 h 25 min 23 s
